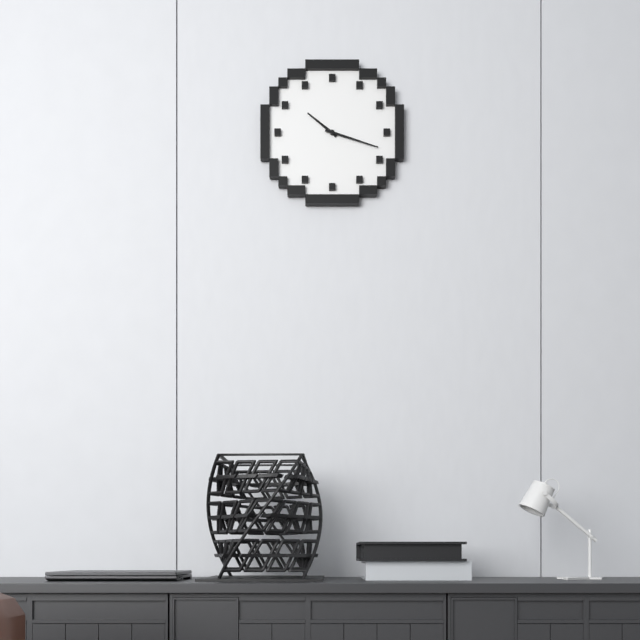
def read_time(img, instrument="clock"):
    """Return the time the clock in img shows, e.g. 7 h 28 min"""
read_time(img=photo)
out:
10 h 18 min
